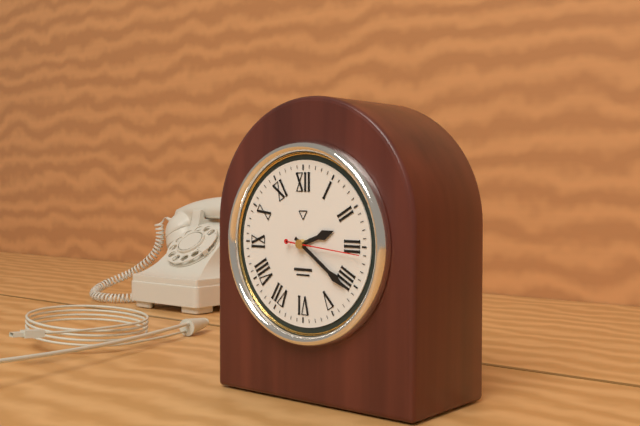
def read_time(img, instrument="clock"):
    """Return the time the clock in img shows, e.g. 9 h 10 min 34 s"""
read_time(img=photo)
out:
2 h 21 min 16 s
